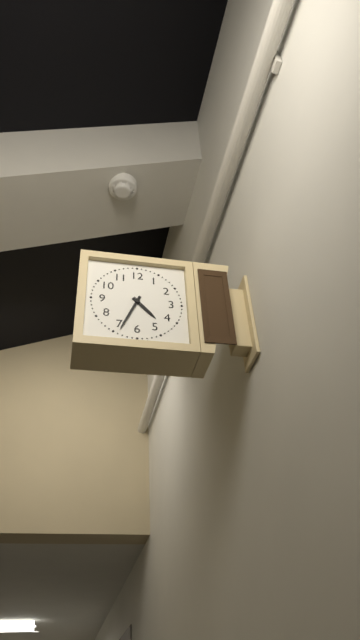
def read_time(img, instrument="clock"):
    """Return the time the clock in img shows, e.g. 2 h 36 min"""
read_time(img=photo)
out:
4 h 34 min
